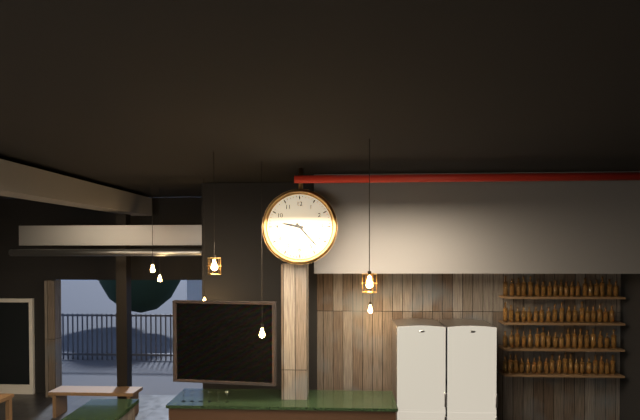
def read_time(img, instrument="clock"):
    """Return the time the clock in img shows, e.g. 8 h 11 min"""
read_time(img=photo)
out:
9 h 23 min
